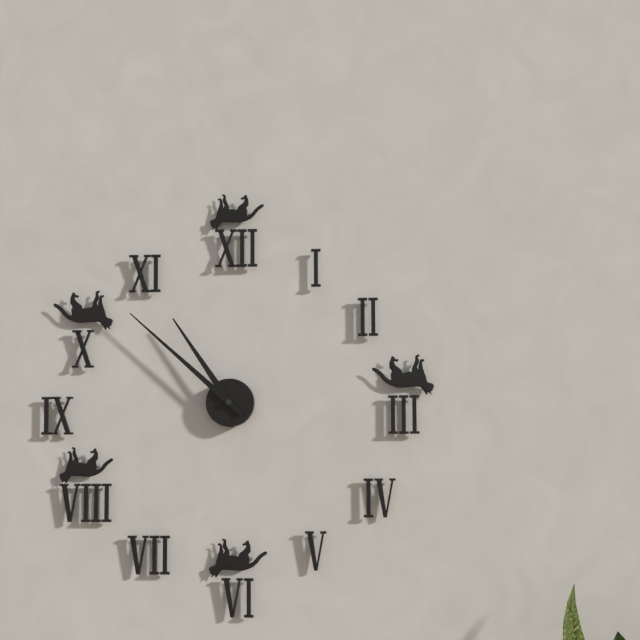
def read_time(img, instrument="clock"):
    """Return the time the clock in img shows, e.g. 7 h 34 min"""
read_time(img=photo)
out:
10 h 52 min
